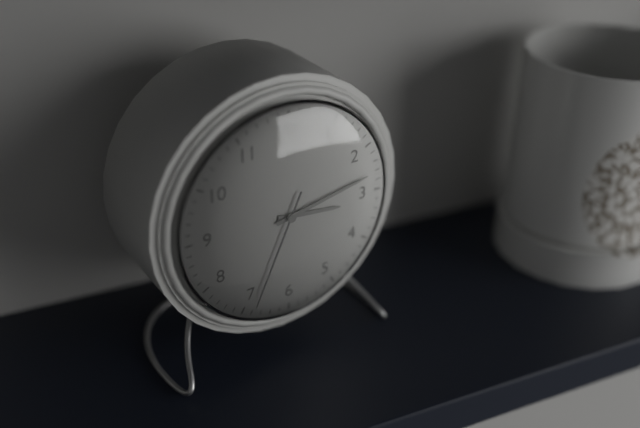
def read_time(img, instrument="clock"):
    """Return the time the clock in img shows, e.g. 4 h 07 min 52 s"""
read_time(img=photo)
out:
3 h 13 min 34 s
